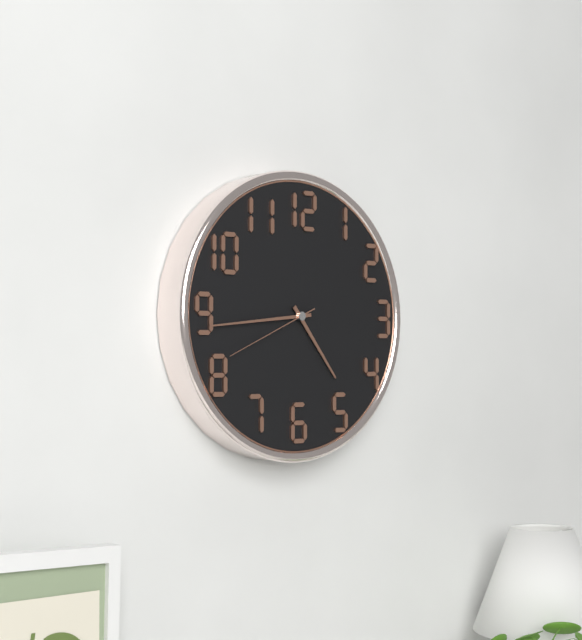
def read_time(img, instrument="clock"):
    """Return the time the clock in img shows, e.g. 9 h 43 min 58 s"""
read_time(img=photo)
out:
4 h 44 min 41 s
